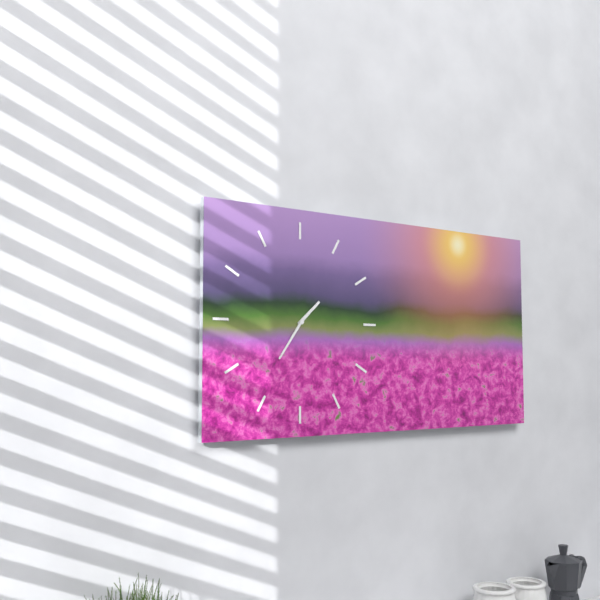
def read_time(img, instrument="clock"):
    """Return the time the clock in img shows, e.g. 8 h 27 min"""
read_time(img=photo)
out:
1 h 36 min
